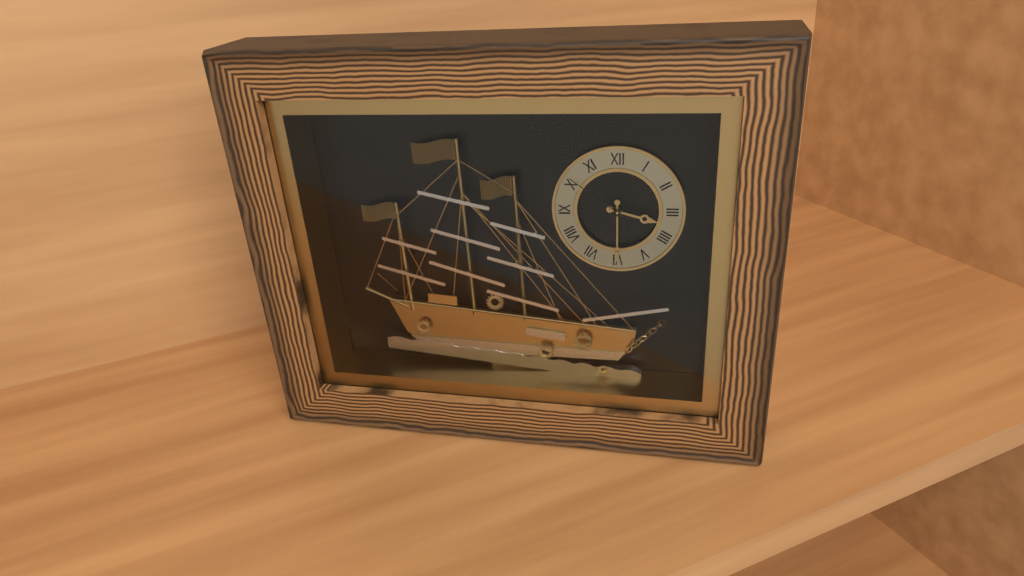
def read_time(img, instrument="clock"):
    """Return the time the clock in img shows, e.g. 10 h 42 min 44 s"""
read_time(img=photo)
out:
3 h 30 min 51 s
